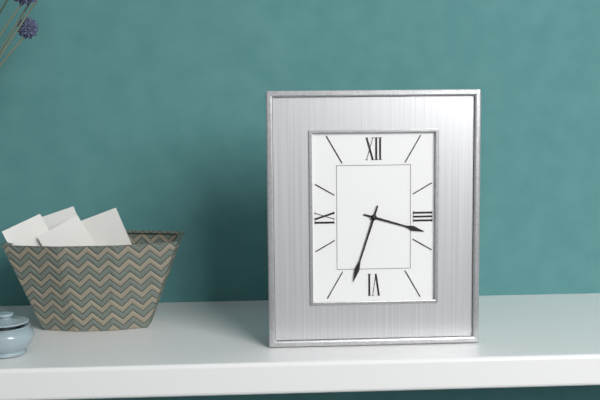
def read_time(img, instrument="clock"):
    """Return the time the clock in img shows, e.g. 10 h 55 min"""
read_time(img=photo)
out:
3 h 33 min
